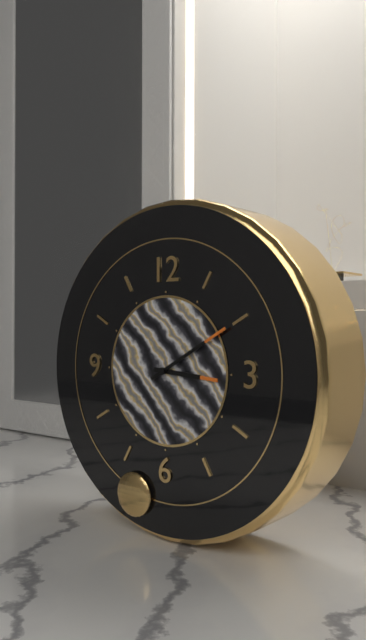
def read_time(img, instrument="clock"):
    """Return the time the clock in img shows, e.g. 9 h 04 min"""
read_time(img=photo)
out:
3 h 10 min
